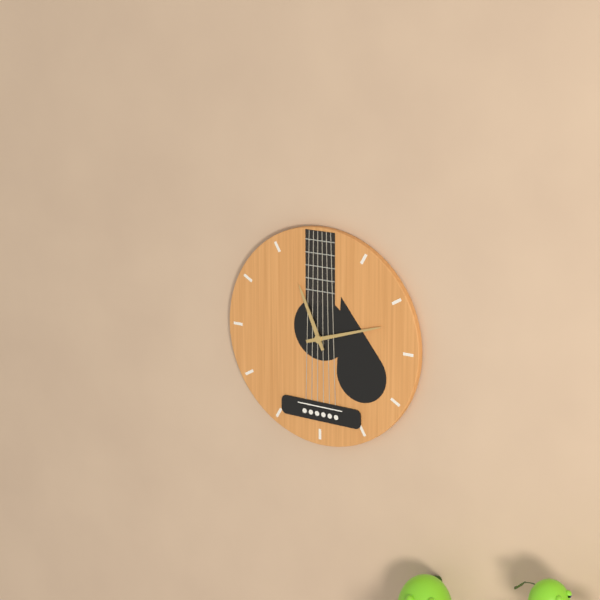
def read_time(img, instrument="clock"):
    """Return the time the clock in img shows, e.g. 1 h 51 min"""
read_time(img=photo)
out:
11 h 12 min
